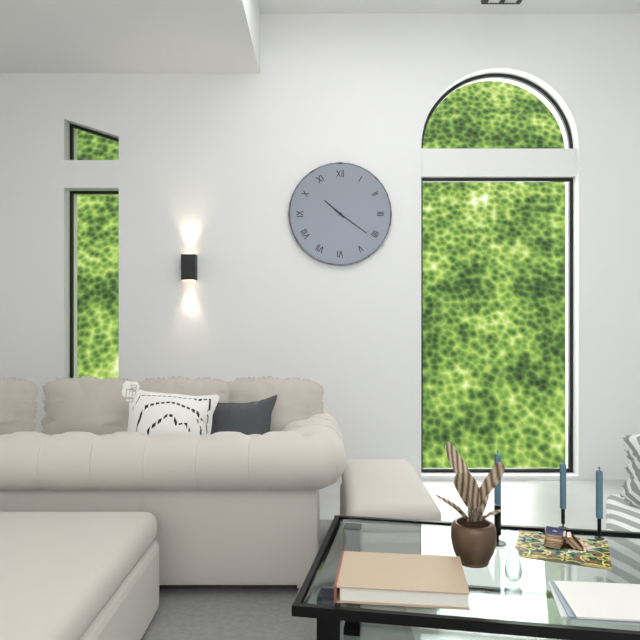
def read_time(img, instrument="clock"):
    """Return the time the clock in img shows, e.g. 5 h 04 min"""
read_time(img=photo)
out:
10 h 21 min
